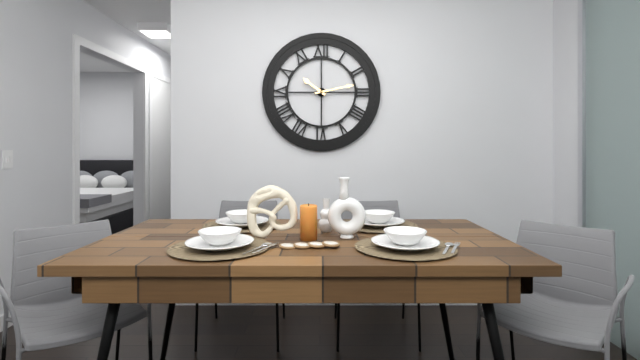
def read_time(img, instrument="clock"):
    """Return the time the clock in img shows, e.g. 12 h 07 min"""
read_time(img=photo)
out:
10 h 13 min
